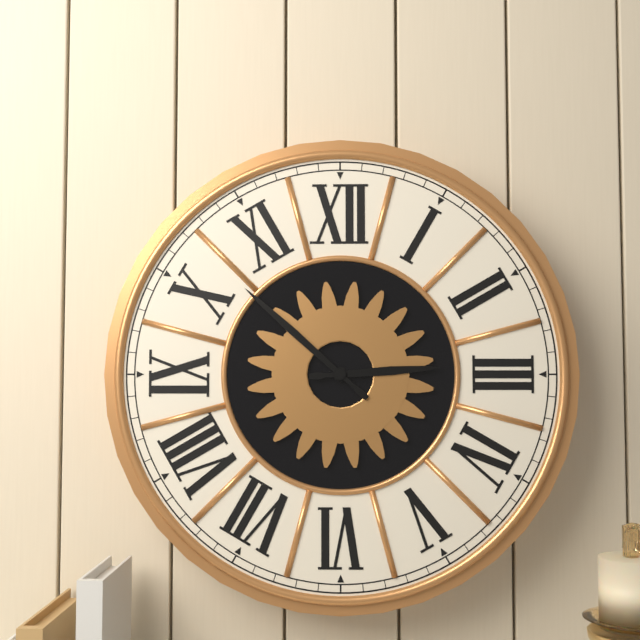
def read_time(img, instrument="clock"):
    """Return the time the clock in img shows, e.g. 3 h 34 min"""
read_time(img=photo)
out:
2 h 52 min
